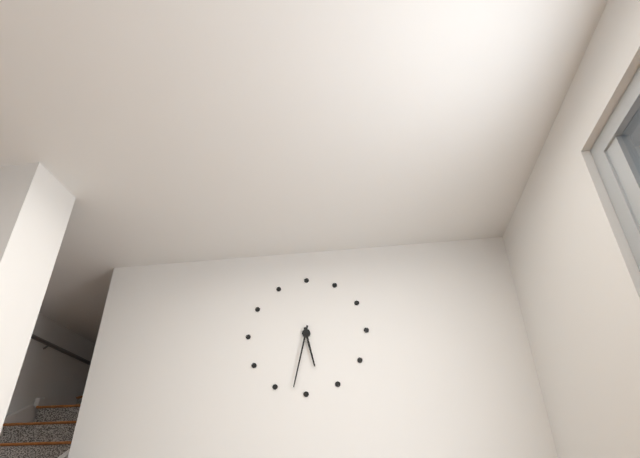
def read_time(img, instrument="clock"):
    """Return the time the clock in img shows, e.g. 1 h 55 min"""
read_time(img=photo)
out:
5 h 32 min
